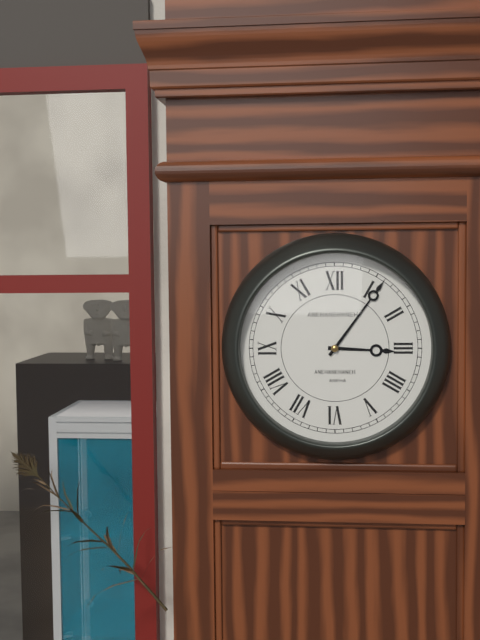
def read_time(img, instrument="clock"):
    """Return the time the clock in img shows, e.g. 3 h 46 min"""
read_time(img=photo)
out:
3 h 06 min
